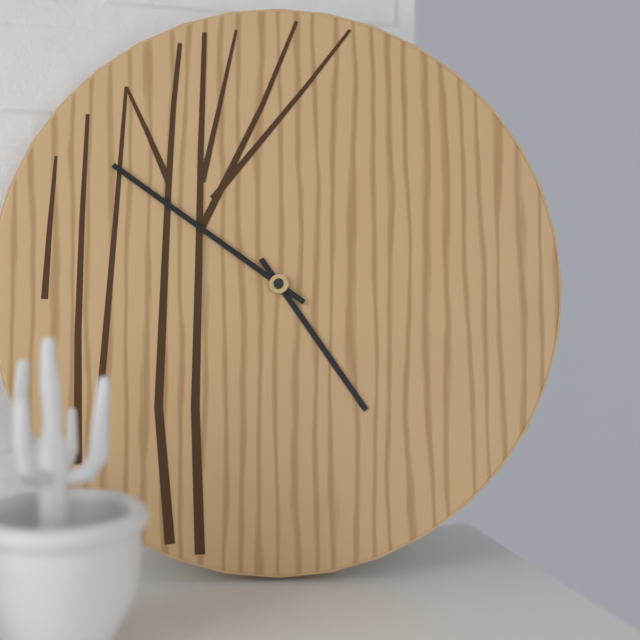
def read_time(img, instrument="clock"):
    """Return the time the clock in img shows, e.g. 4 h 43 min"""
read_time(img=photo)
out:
4 h 51 min
